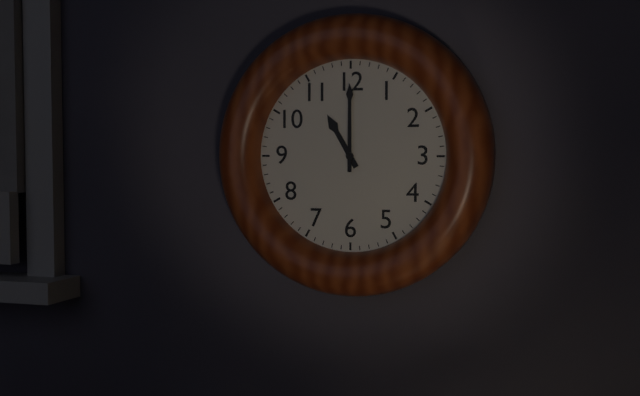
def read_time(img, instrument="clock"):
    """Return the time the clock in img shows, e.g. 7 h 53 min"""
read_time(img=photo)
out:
11 h 00 min
